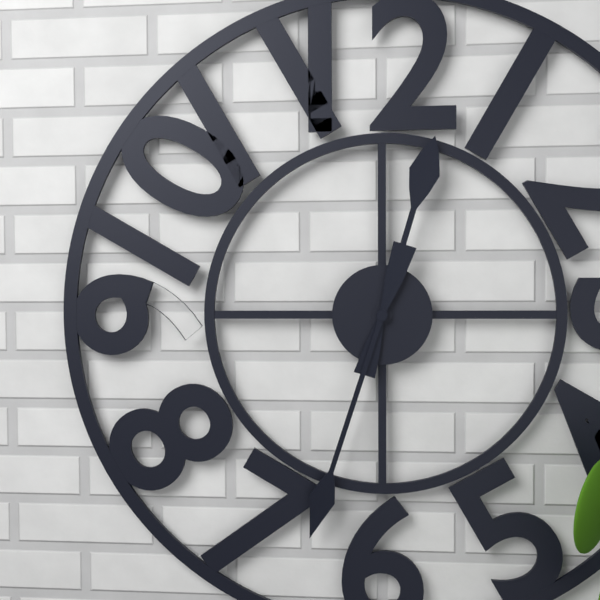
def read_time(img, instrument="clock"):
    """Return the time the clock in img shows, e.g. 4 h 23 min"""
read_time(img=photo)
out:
12 h 33 min
